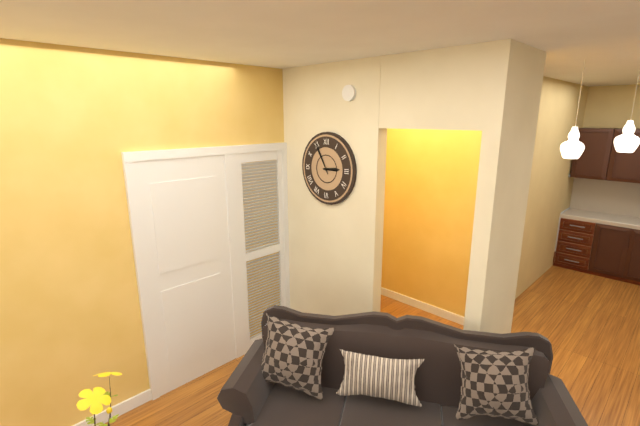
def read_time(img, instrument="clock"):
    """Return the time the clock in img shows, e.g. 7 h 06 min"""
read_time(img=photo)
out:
2 h 55 min
